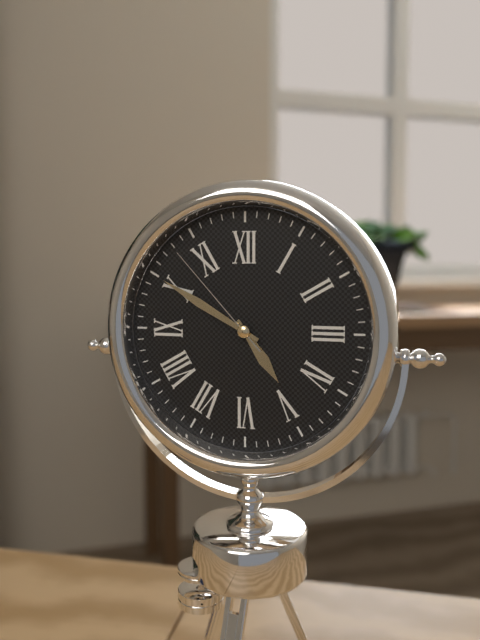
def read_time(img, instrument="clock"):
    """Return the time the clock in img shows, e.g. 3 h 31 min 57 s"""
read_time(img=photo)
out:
4 h 50 min 53 s
